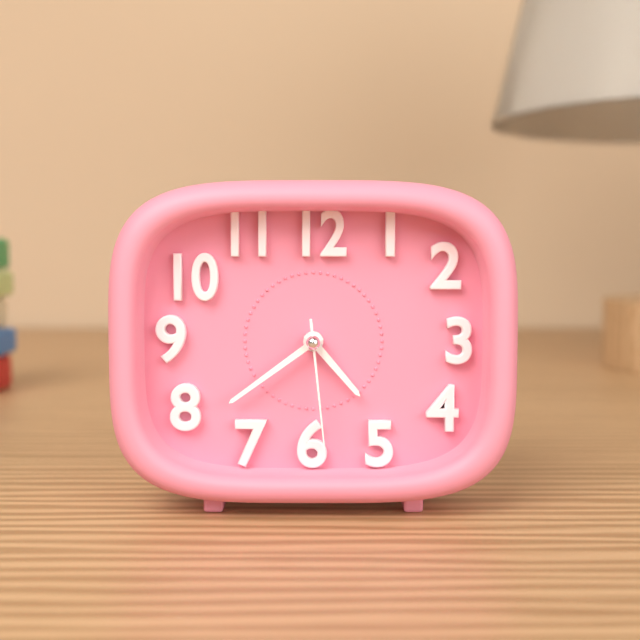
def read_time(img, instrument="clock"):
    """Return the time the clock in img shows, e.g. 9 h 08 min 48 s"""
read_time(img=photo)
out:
4 h 39 min 29 s
